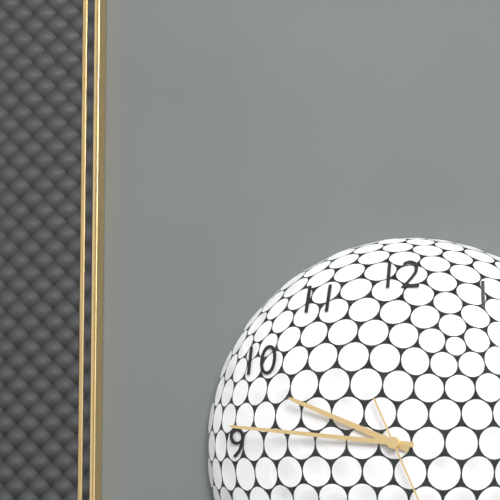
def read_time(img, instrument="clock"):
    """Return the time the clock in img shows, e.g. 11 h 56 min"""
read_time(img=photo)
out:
9 h 46 min
